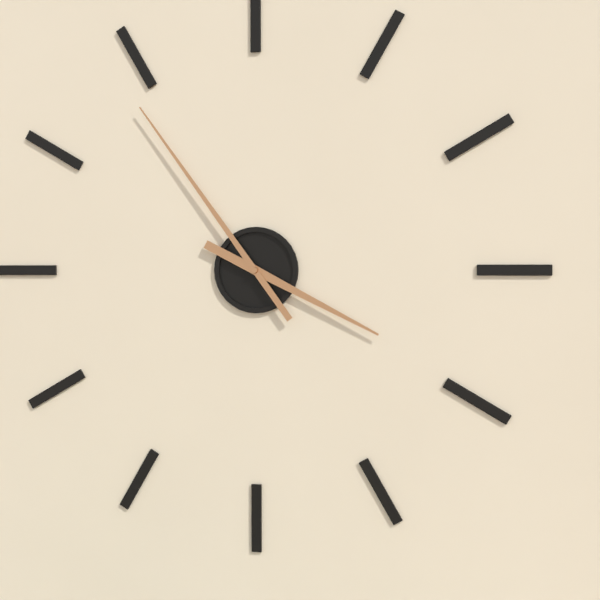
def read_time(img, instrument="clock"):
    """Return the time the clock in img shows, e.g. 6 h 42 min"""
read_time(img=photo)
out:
3 h 54 min
